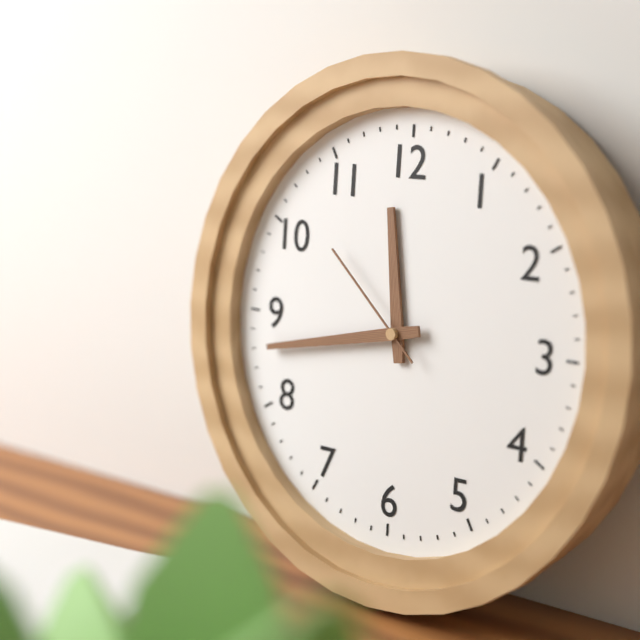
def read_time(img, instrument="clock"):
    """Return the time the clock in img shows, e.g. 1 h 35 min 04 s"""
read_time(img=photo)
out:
11 h 43 min 52 s
